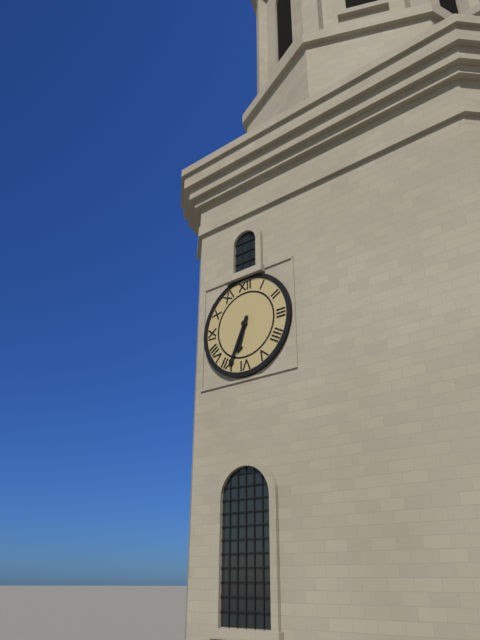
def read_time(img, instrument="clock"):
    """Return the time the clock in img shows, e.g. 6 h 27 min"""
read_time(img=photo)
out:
6 h 34 min
